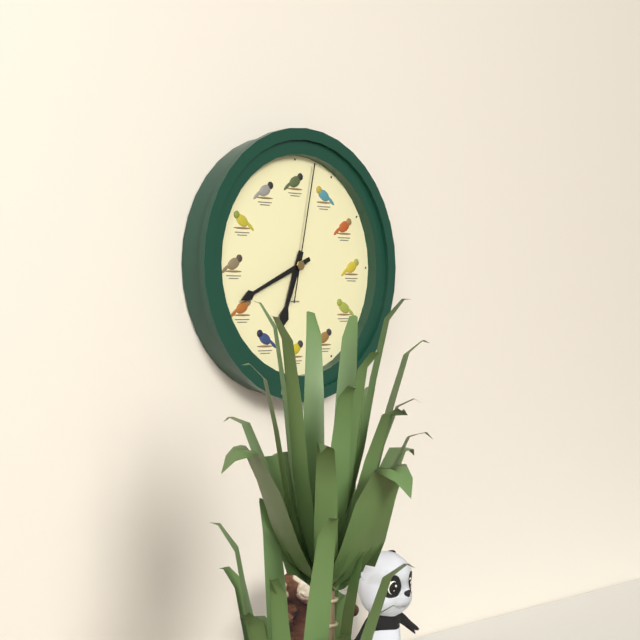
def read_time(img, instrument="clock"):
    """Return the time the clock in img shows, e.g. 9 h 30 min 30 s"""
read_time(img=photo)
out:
6 h 41 min 02 s
